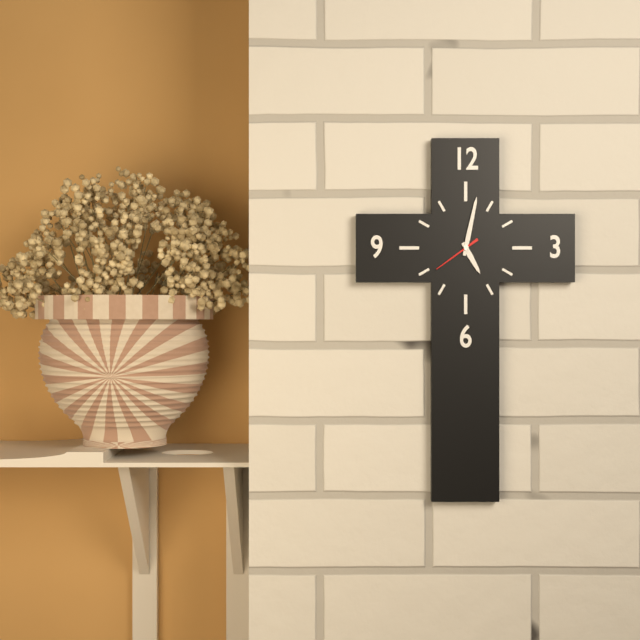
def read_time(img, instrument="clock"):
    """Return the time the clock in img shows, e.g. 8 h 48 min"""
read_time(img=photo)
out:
5 h 02 min
